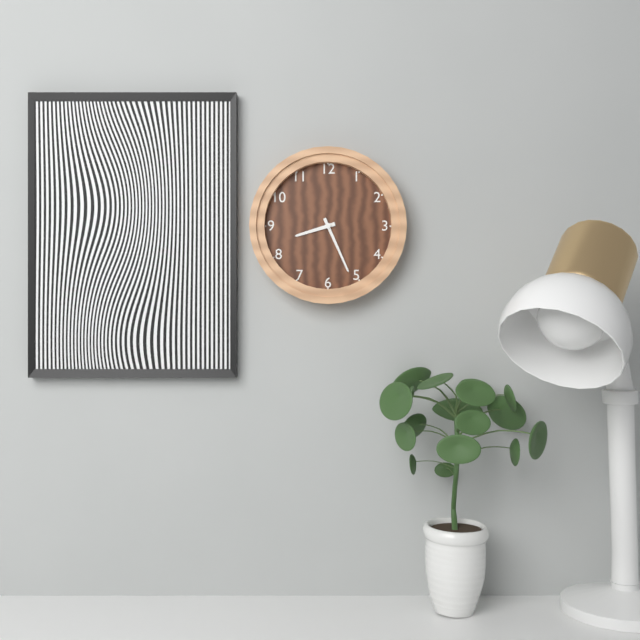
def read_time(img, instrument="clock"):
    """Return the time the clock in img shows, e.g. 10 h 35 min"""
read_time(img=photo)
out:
8 h 26 min
